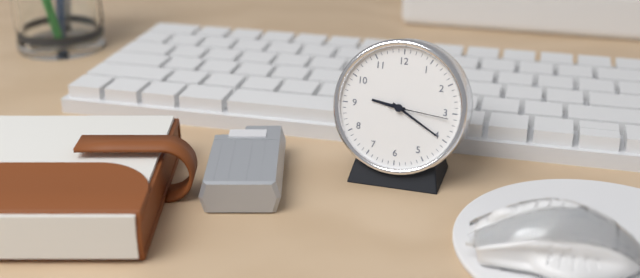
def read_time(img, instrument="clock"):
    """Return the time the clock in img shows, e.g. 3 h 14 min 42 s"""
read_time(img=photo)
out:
9 h 20 min 16 s
